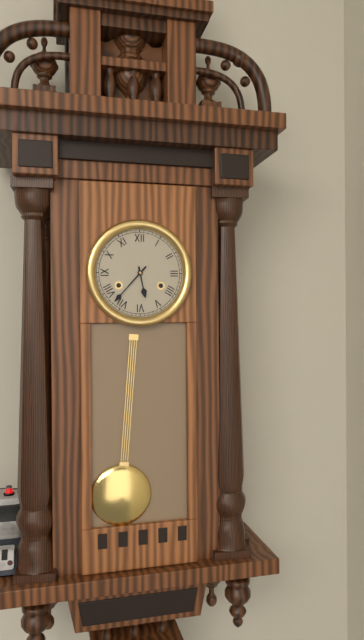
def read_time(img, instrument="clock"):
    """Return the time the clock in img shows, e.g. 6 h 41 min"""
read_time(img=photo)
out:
5 h 37 min
